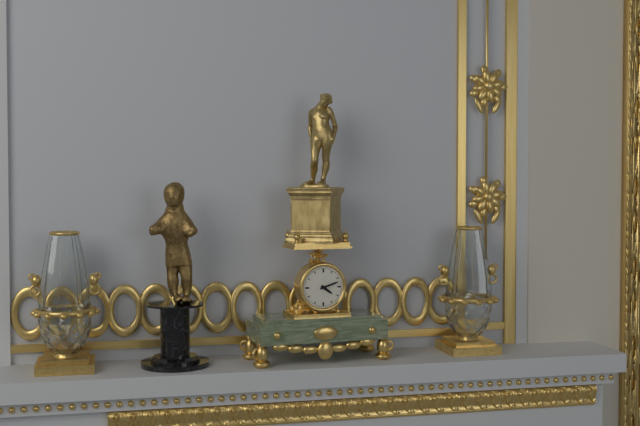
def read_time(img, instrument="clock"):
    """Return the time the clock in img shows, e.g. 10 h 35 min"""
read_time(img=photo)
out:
4 h 12 min
